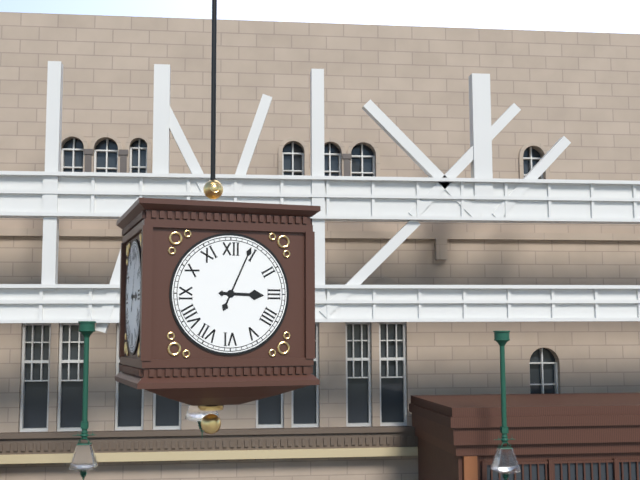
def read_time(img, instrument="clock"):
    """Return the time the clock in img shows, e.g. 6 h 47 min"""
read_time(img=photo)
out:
3 h 04 min
